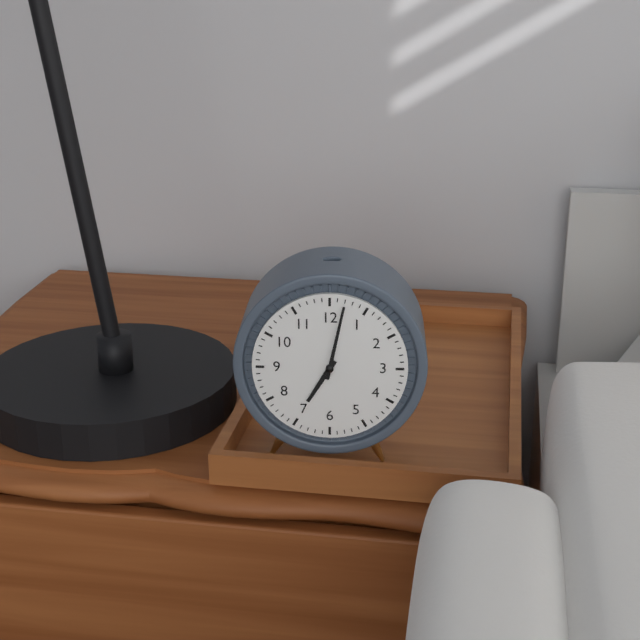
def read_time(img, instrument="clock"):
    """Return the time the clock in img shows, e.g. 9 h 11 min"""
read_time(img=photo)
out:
7 h 02 min
